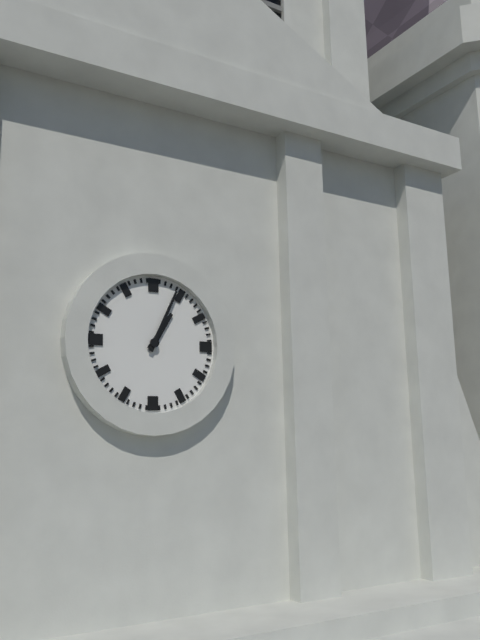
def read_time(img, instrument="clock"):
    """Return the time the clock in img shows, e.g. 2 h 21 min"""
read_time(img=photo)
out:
1 h 04 min
